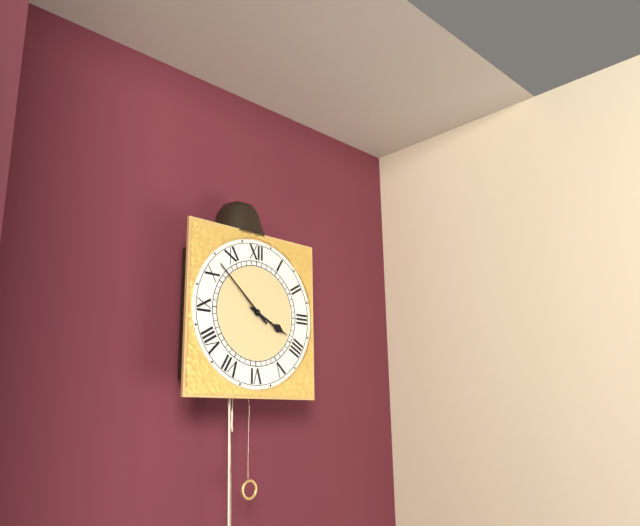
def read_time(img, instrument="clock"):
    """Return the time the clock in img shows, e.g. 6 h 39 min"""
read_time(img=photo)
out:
3 h 52 min
